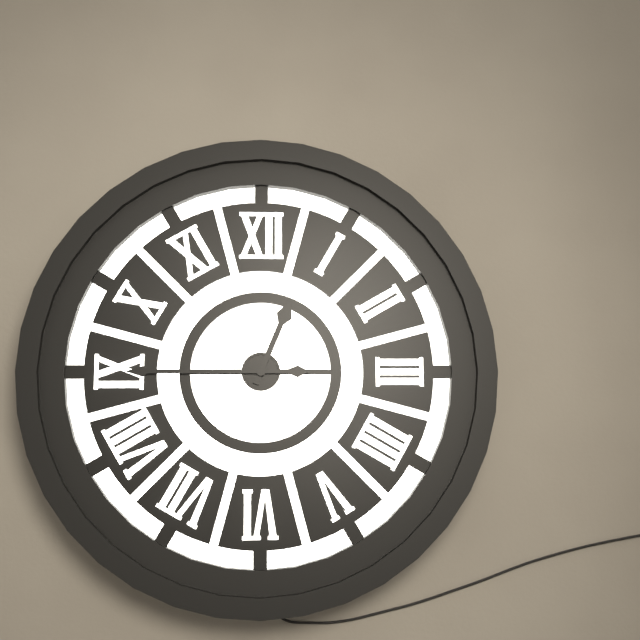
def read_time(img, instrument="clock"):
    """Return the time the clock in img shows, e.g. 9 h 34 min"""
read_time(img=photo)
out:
12 h 45 min
